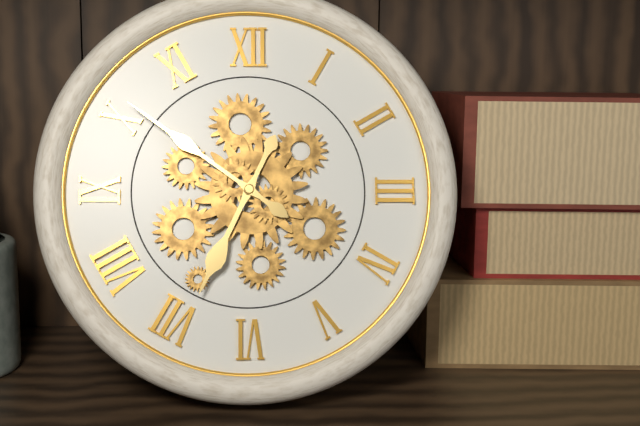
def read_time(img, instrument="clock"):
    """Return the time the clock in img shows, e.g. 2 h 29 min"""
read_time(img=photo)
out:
6 h 51 min
